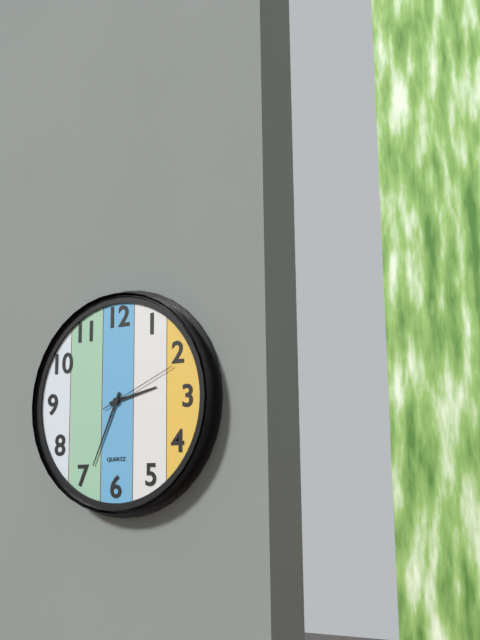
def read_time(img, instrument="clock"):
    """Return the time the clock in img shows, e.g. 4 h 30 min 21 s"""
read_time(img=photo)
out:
2 h 34 min 11 s
